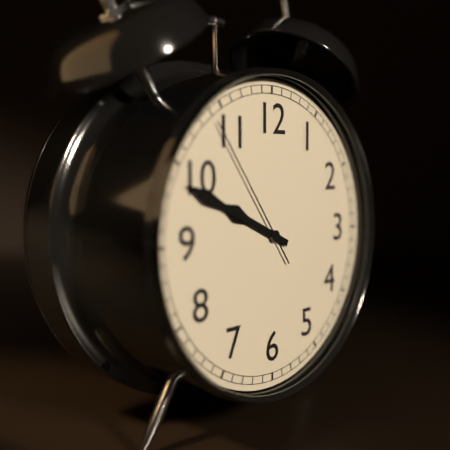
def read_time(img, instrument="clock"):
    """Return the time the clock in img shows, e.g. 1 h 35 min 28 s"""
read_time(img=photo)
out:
9 h 49 min 54 s
